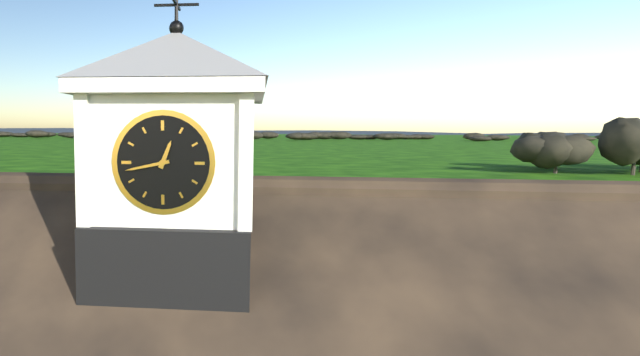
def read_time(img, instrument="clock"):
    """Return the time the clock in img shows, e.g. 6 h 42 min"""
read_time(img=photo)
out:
12 h 43 min
